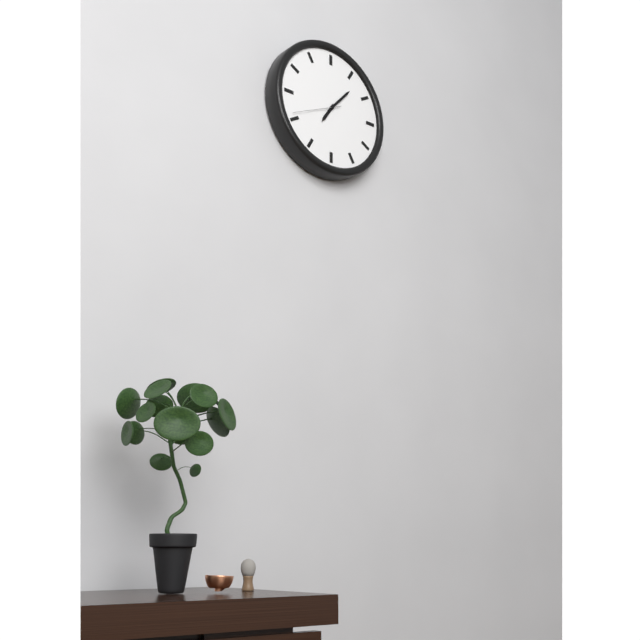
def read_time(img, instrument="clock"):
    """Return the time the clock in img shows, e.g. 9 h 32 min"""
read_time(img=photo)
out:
7 h 07 min
